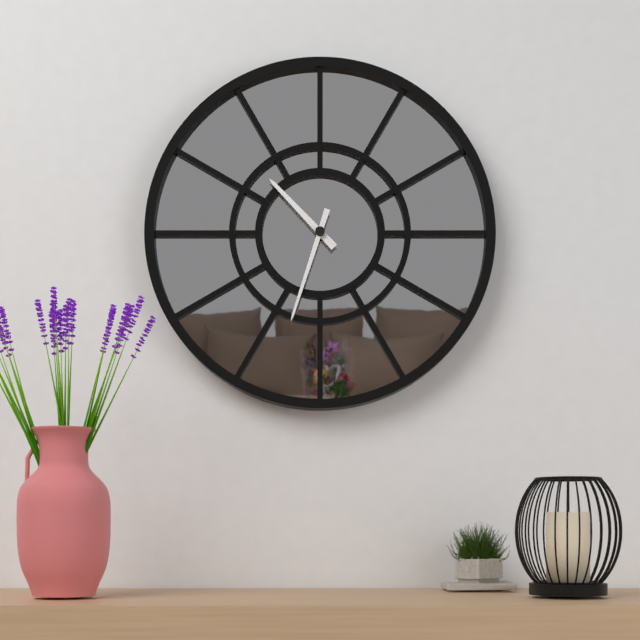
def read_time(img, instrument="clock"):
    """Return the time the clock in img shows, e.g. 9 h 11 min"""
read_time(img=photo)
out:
10 h 33 min
